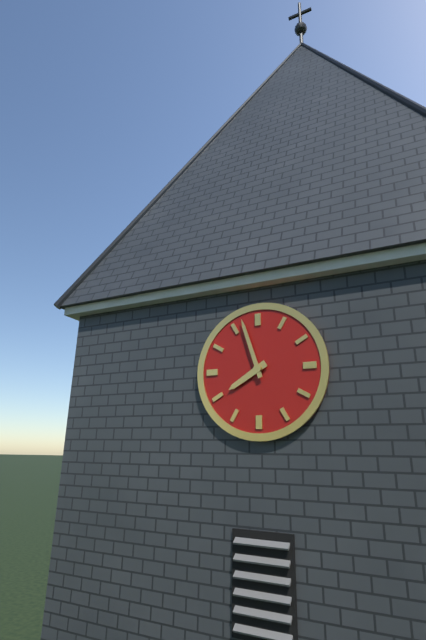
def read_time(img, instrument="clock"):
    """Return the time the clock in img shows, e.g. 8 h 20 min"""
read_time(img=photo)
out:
7 h 57 min
